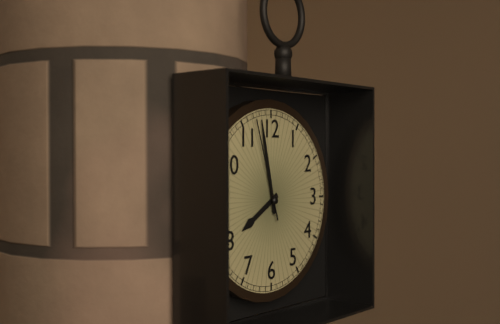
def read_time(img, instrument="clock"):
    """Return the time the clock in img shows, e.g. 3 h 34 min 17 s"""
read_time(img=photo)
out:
7 h 58 min 57 s
